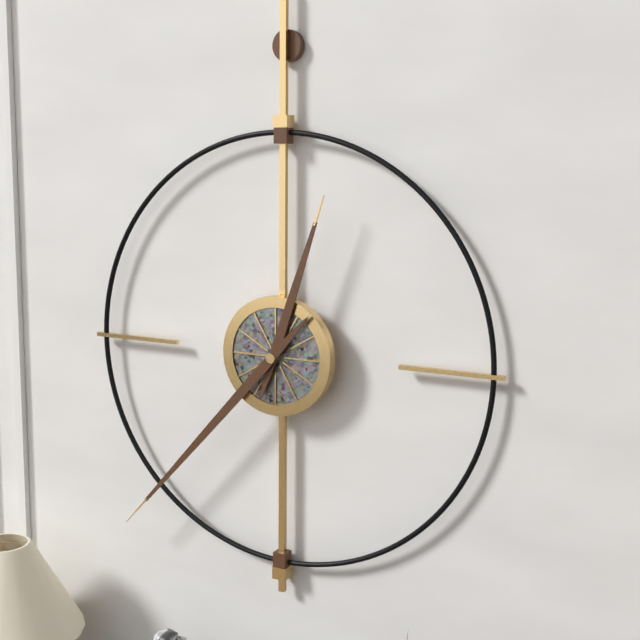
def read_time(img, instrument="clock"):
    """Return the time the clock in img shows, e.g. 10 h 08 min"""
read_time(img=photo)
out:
12 h 37 min
